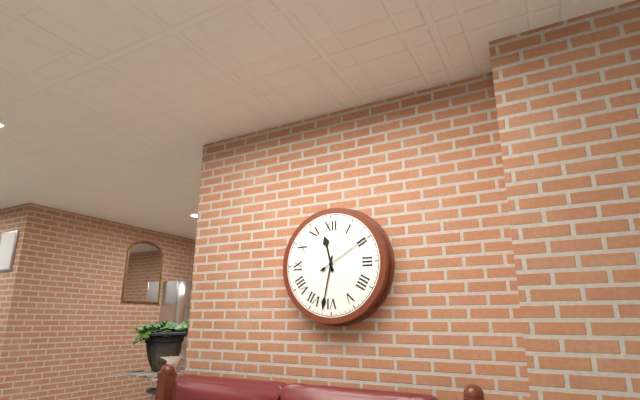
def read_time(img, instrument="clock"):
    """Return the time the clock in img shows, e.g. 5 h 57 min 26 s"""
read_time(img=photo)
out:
11 h 32 min 10 s
